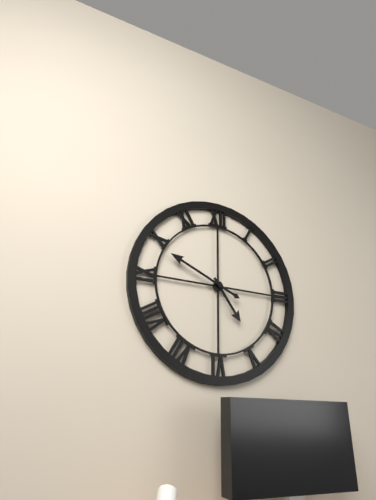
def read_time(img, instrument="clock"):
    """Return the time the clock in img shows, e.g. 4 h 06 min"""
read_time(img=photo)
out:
4 h 49 min
